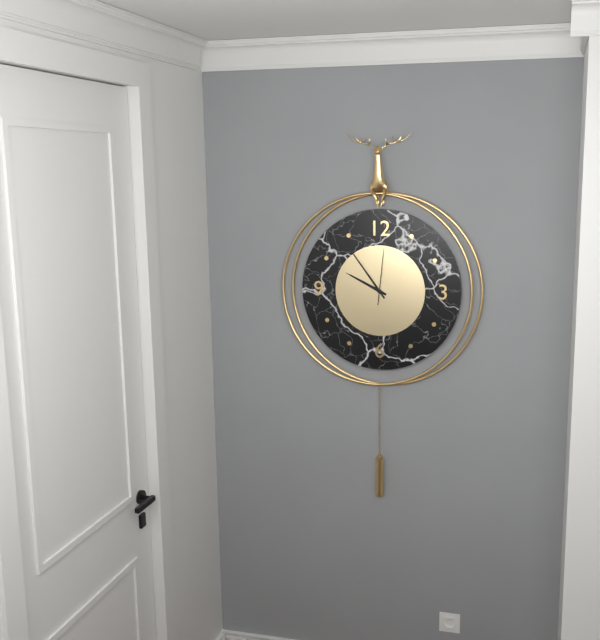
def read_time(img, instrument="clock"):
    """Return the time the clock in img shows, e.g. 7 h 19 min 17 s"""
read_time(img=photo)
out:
9 h 54 min 01 s
